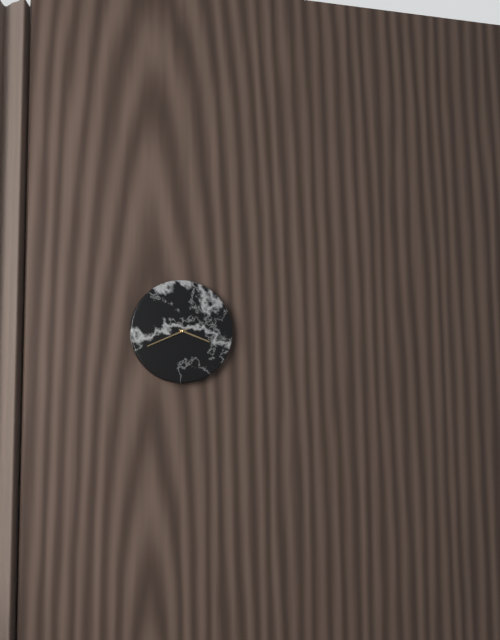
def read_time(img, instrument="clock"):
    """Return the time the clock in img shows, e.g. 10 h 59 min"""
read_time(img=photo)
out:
3 h 41 min
